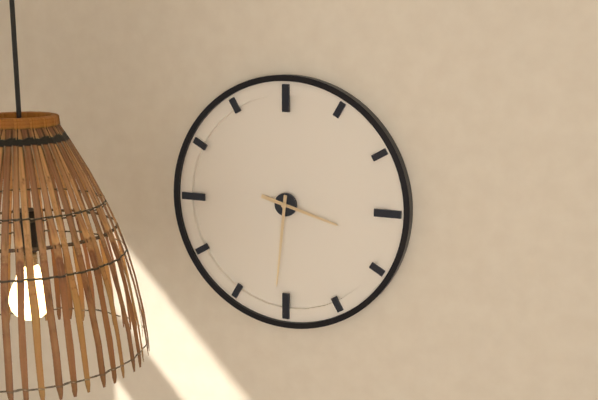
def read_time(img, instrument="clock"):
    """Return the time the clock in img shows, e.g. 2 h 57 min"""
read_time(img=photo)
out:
3 h 31 min
